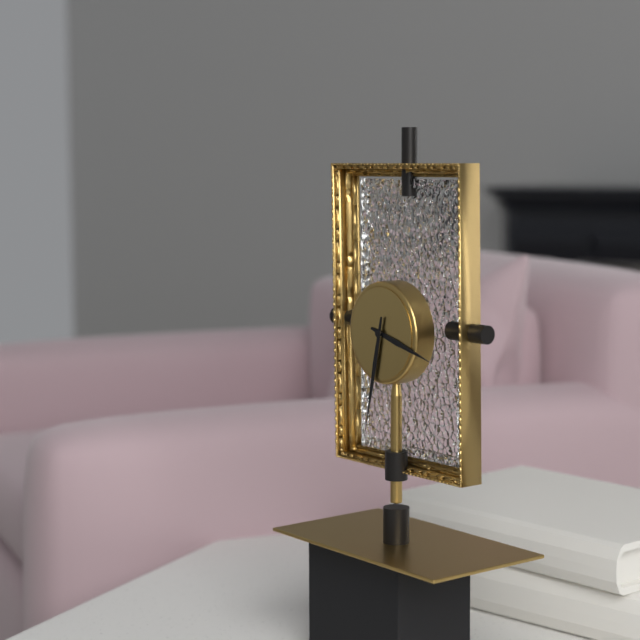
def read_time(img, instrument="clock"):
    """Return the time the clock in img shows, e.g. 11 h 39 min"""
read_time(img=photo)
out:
3 h 32 min
